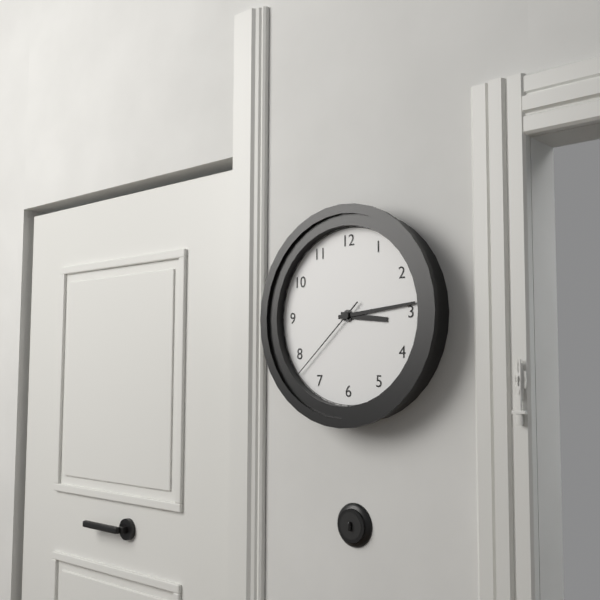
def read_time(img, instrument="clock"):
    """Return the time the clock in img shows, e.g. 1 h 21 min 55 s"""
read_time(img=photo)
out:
3 h 14 min 38 s
